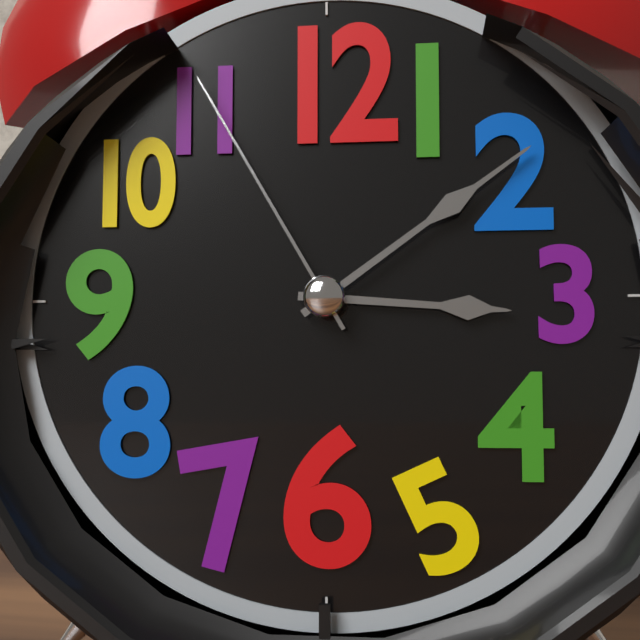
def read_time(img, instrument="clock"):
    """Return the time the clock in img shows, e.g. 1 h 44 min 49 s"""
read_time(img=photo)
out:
3 h 09 min 55 s
